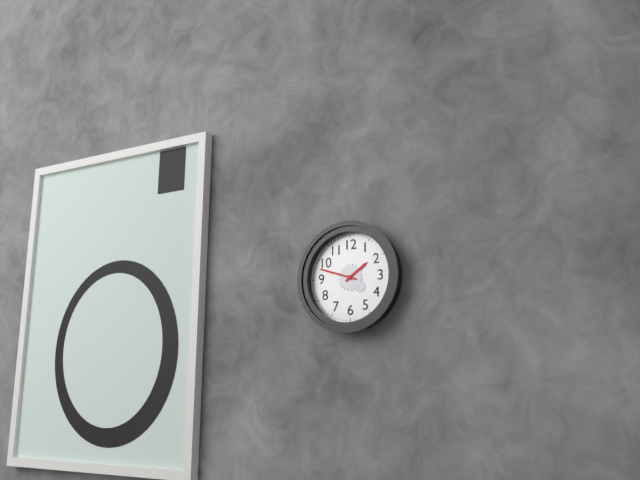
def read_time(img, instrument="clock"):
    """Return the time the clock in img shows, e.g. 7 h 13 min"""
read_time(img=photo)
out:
1 h 48 min
